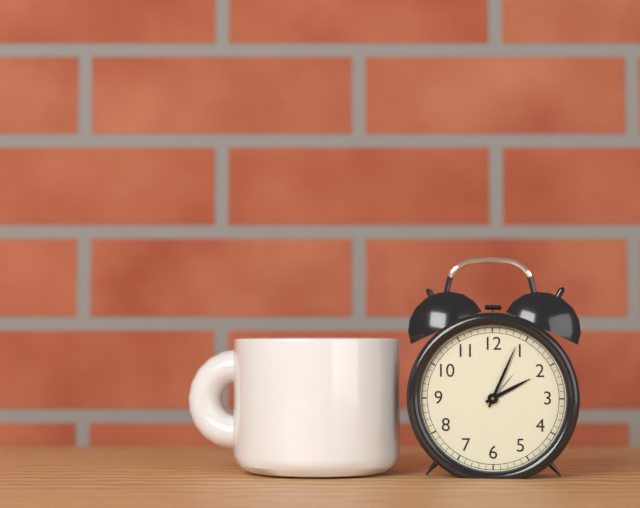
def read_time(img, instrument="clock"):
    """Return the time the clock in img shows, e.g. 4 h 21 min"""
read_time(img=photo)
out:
2 h 04 min
